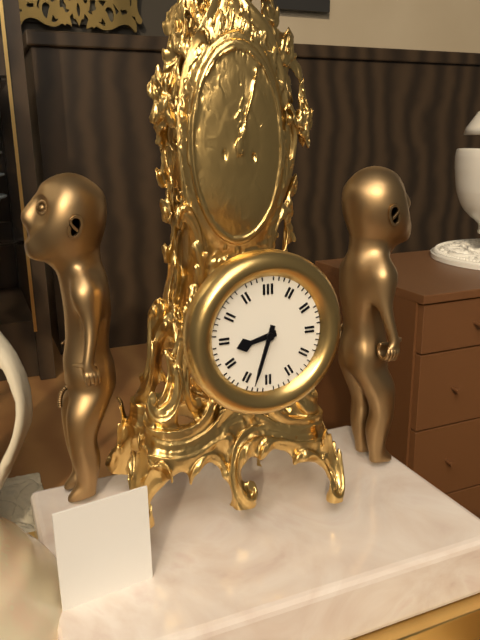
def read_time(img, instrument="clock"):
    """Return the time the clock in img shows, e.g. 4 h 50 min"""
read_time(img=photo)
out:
8 h 33 min
